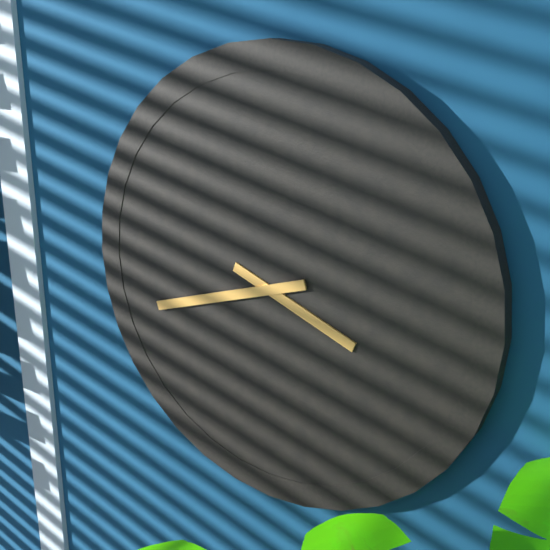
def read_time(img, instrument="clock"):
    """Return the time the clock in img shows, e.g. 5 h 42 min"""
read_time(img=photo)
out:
3 h 42 min
